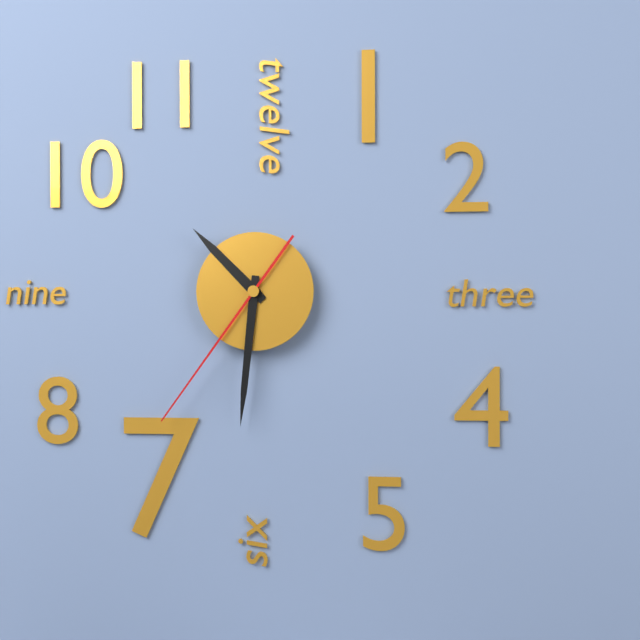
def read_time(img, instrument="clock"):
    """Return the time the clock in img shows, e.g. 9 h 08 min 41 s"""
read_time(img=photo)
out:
10 h 31 min 36 s
